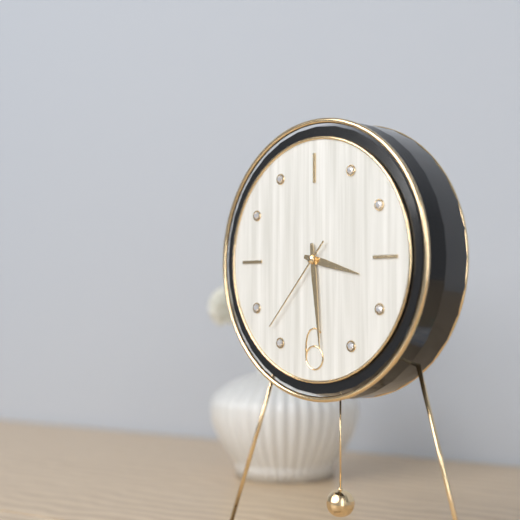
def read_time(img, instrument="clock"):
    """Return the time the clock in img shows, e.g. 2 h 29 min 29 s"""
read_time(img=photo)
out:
3 h 29 min 37 s
